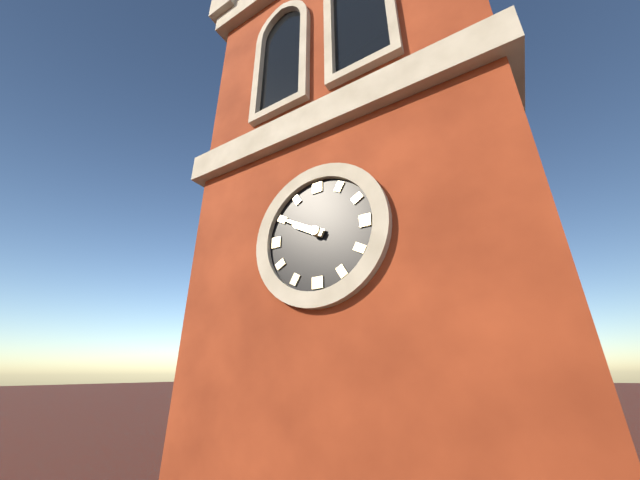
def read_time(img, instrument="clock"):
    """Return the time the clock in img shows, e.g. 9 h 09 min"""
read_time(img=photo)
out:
9 h 50 min
